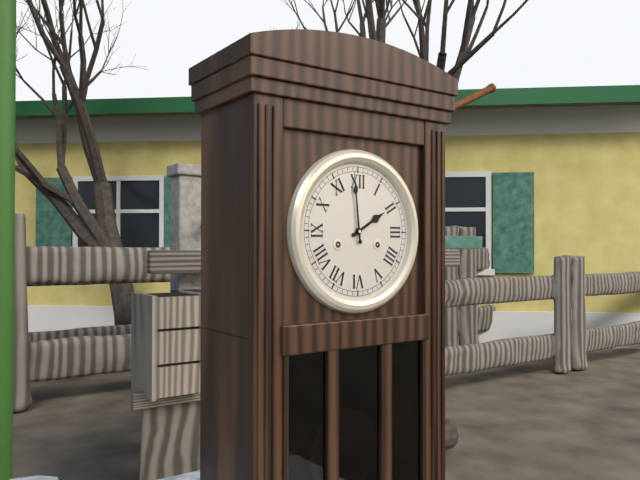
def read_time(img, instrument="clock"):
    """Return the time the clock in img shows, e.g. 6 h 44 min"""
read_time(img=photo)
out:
1 h 59 min
